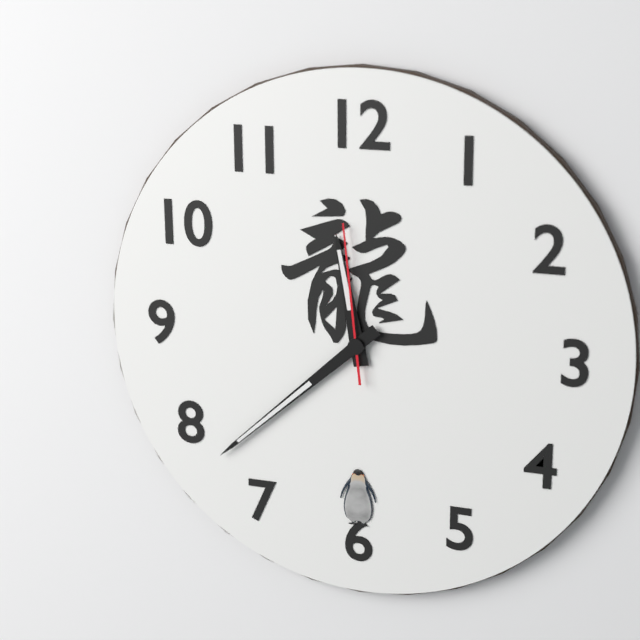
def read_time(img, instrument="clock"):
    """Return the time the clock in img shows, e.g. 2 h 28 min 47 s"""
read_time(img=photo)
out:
11 h 38 min 59 s
